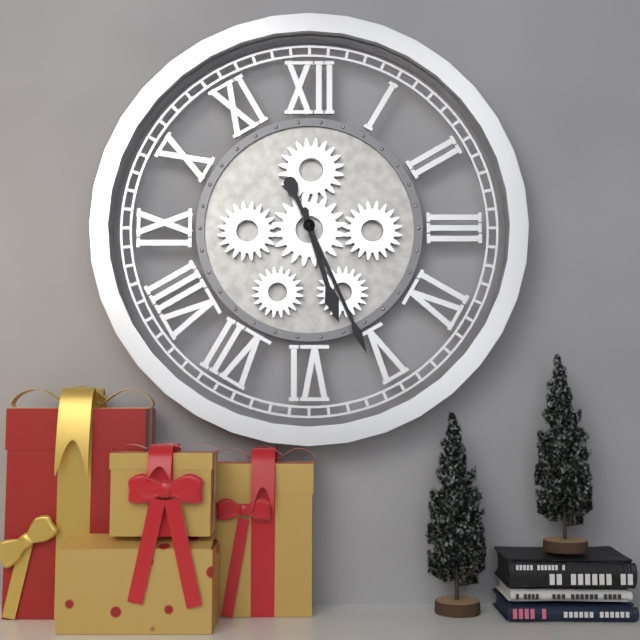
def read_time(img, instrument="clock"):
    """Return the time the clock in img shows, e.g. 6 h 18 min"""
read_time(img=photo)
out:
5 h 26 min
